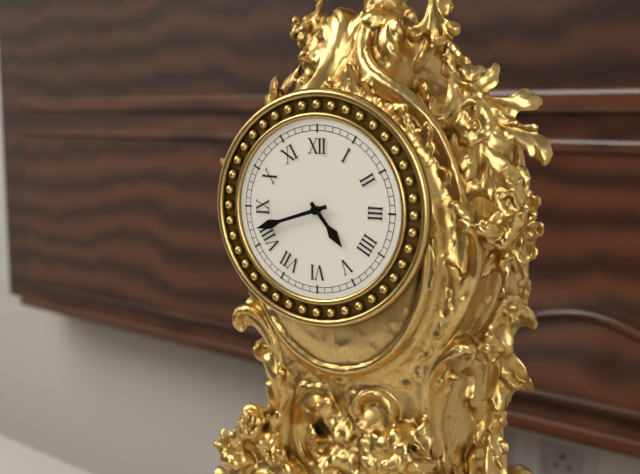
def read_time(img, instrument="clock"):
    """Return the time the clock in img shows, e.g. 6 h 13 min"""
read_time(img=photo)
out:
4 h 42 min
